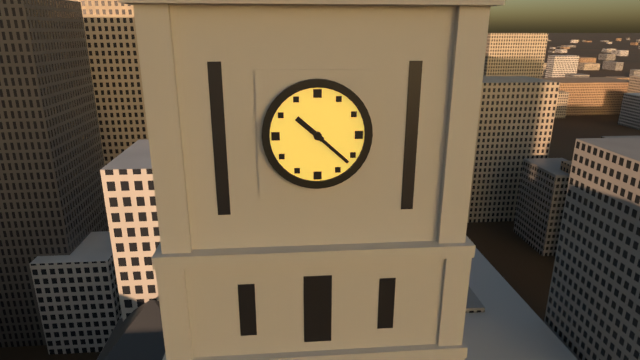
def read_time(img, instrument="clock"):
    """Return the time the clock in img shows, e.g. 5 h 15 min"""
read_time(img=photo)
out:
10 h 22 min
